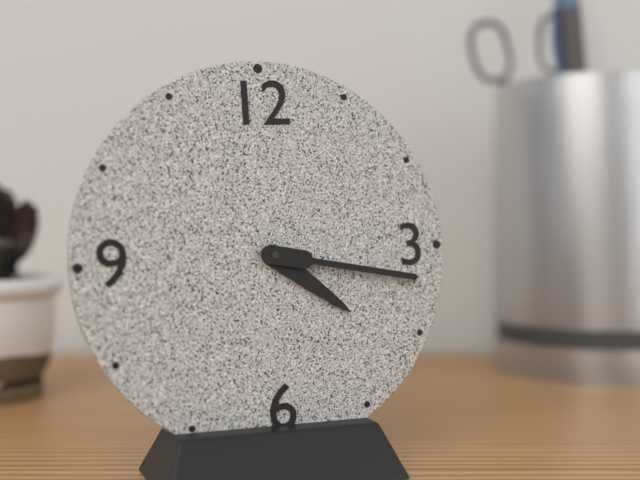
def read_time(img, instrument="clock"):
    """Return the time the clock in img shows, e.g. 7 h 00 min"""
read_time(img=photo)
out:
4 h 17 min
